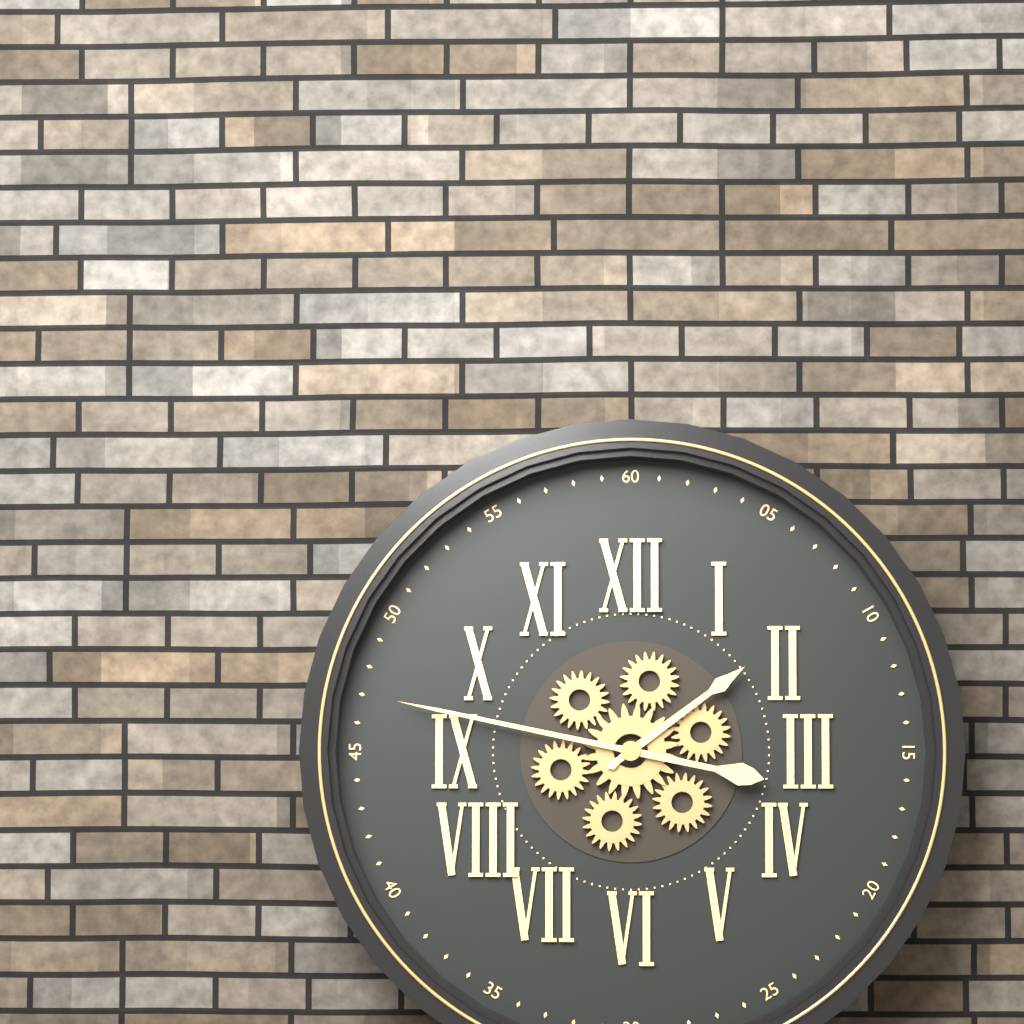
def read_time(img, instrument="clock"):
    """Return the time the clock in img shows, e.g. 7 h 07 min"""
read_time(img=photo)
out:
1 h 47 min
